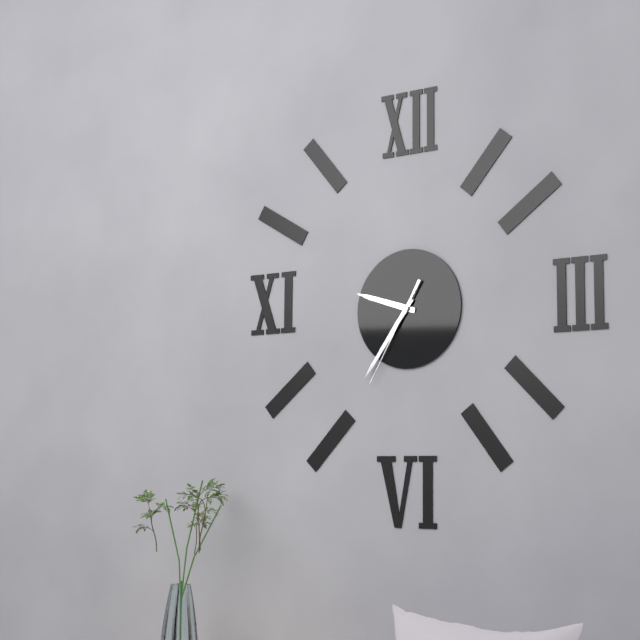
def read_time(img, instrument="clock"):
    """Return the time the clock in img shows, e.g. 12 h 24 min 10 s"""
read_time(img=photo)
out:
9 h 36 min 35 s
